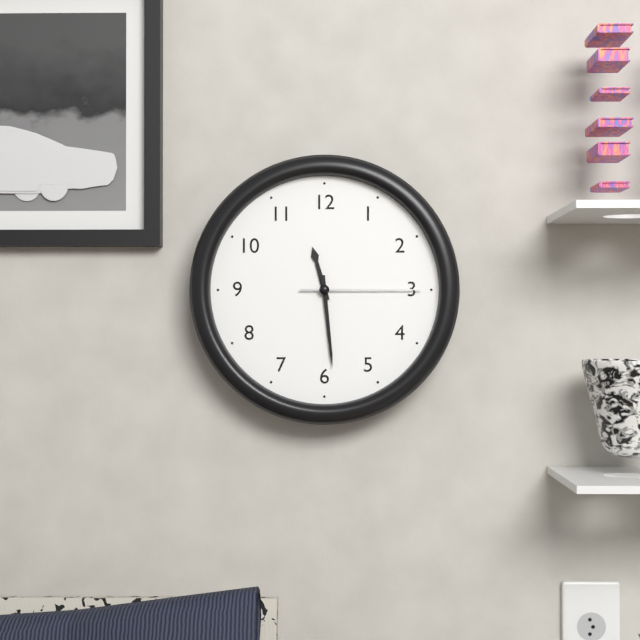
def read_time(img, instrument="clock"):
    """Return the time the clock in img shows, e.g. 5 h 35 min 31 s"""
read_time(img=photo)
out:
11 h 29 min 15 s
